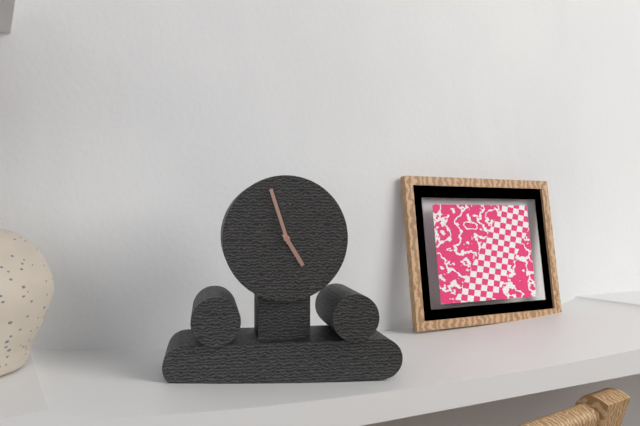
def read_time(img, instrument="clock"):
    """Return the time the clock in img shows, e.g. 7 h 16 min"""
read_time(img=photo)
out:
4 h 57 min
